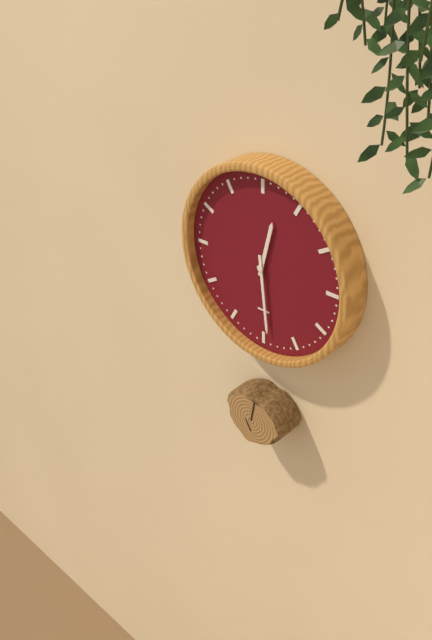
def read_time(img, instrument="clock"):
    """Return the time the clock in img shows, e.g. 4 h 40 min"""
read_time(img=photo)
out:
12 h 29 min
